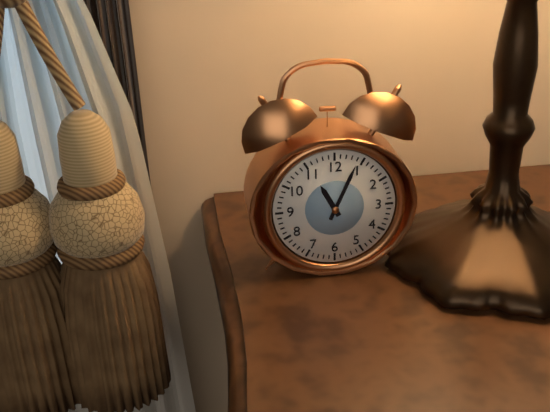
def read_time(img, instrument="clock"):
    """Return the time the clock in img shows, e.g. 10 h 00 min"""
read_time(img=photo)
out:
11 h 04 min
